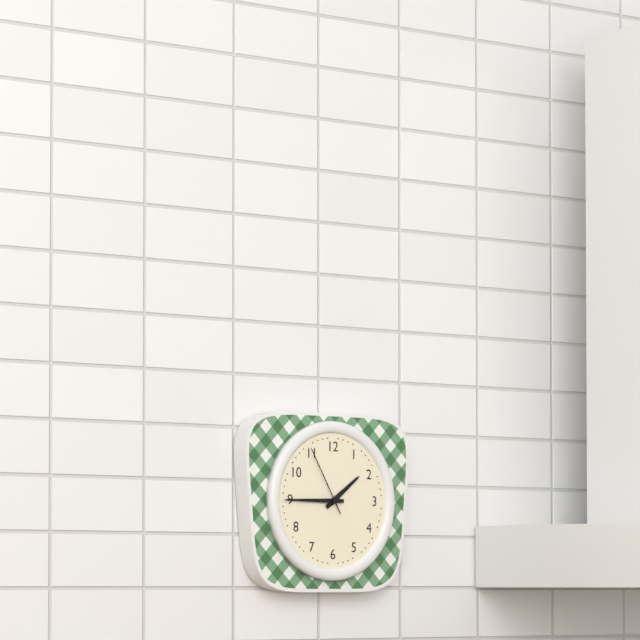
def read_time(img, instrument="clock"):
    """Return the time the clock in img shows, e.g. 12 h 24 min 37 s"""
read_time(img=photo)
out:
1 h 45 min 55 s
